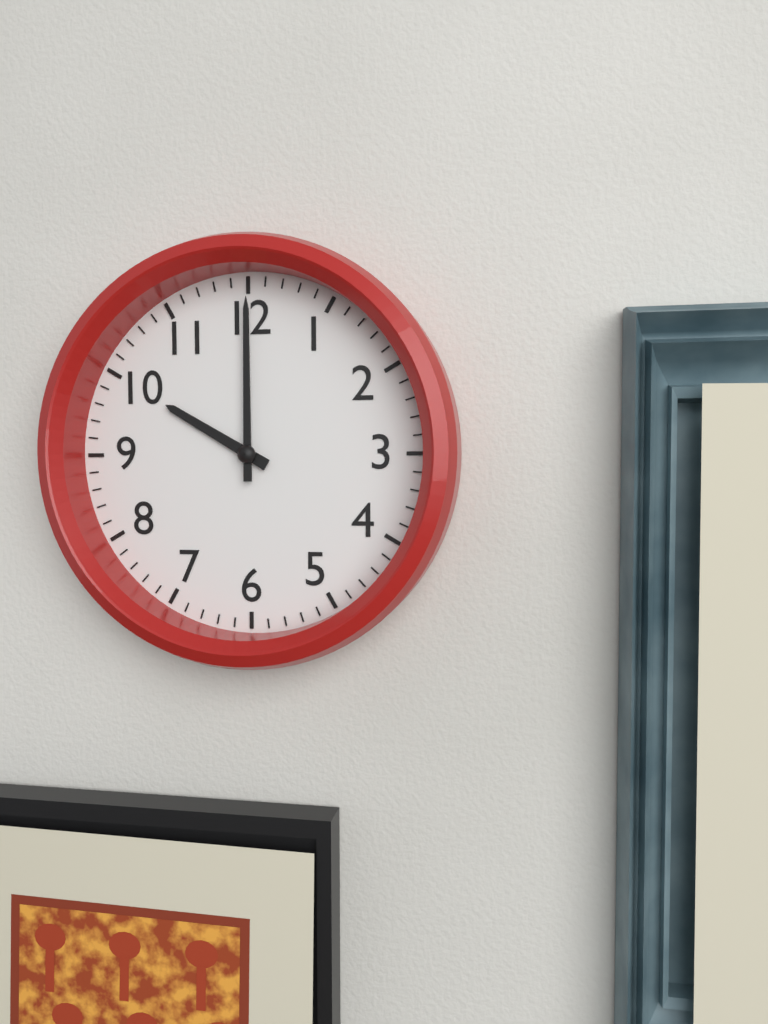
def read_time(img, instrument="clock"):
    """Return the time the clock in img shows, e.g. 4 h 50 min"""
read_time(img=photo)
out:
10 h 00 min
